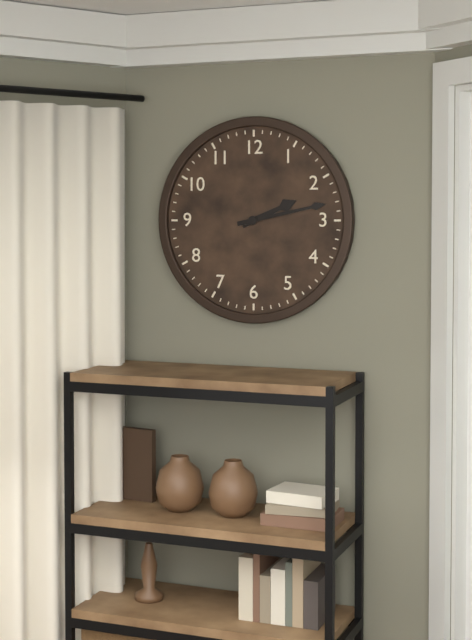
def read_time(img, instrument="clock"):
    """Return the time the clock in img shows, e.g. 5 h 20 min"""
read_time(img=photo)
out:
2 h 13 min
